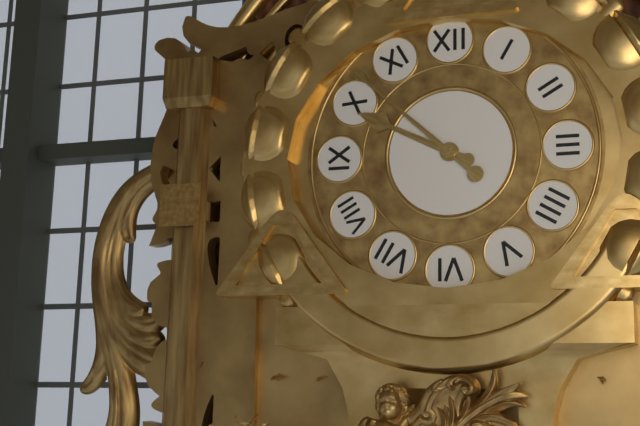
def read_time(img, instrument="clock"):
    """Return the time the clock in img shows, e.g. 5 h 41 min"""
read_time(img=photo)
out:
9 h 52 min
